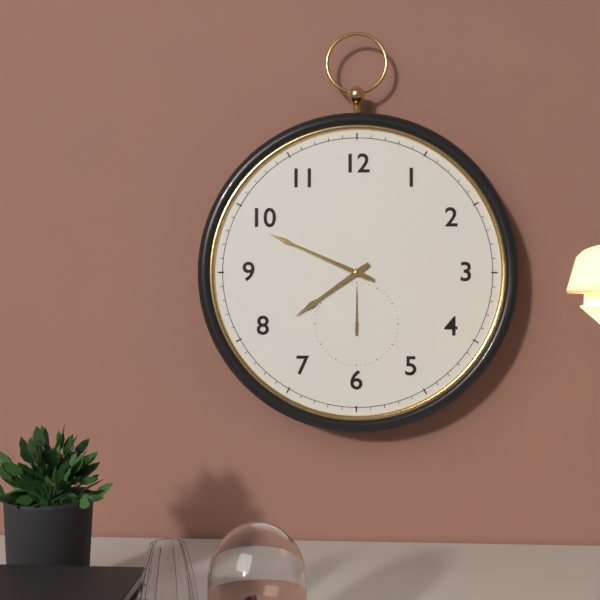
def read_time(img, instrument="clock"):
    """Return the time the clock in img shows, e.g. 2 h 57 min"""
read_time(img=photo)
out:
7 h 49 min
